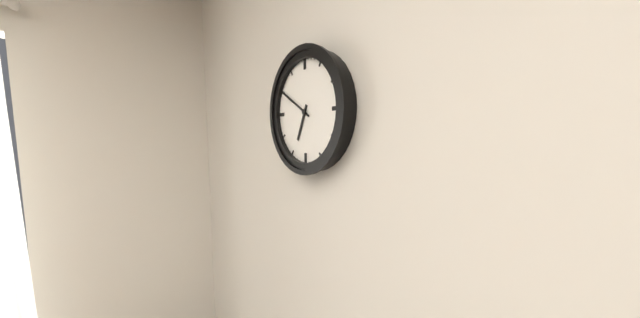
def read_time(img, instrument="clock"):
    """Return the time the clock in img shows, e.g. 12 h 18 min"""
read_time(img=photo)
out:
6 h 50 min
